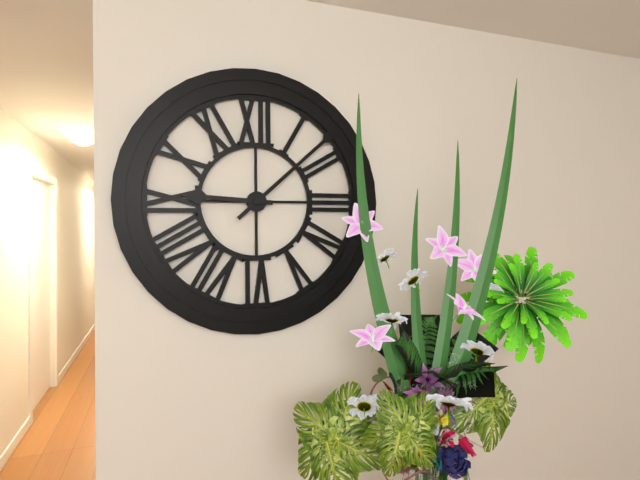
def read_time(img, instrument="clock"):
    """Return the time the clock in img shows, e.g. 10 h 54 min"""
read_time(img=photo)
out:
9 h 08 min
